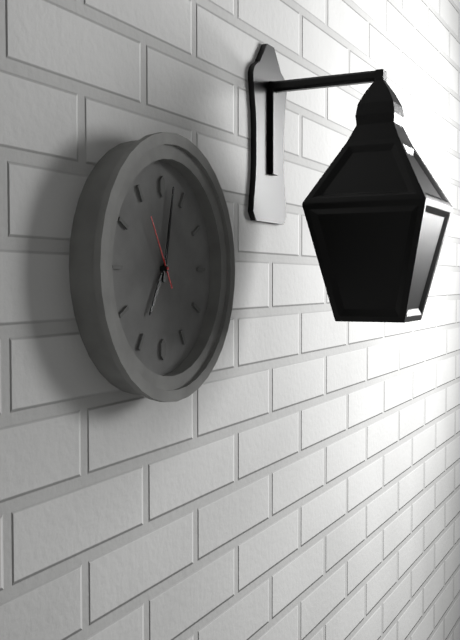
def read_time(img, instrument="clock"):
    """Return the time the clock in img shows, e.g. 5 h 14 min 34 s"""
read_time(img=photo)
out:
7 h 02 min 55 s
